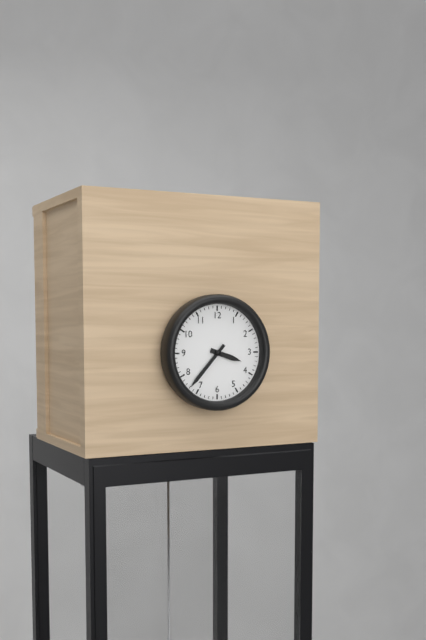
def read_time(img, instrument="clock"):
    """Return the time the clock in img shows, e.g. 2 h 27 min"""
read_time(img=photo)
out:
3 h 37 min
